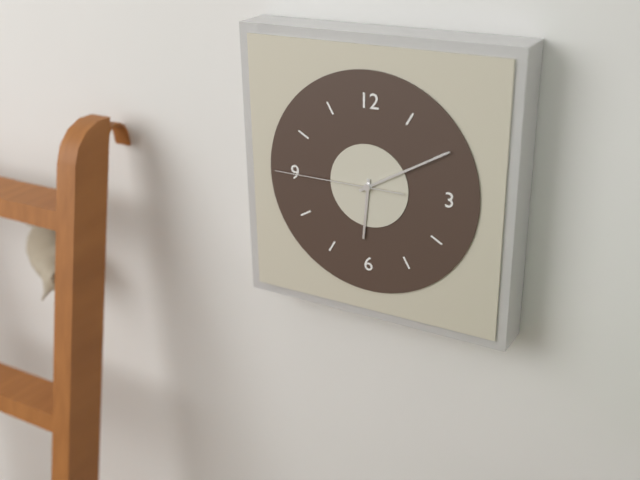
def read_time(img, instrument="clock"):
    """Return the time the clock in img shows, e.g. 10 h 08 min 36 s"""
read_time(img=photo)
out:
6 h 10 min 45 s
